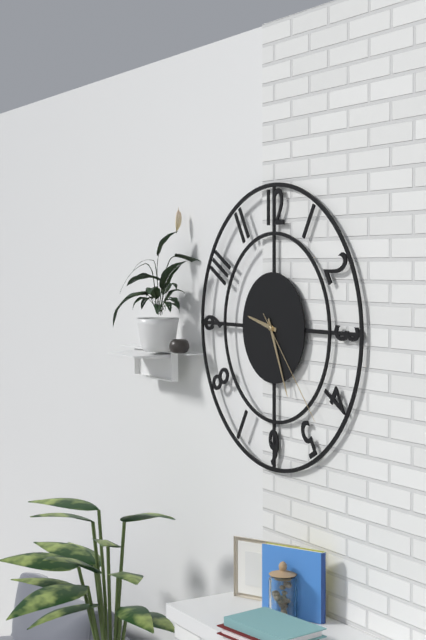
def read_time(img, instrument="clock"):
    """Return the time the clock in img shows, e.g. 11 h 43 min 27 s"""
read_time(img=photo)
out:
9 h 26 min 23 s
